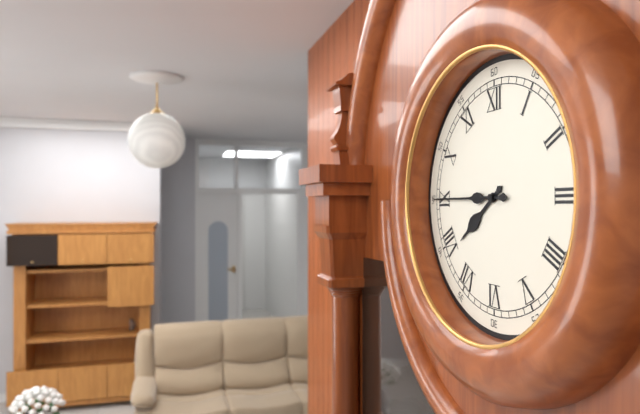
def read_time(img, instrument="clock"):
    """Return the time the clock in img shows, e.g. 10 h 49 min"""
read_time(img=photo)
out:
7 h 45 min
